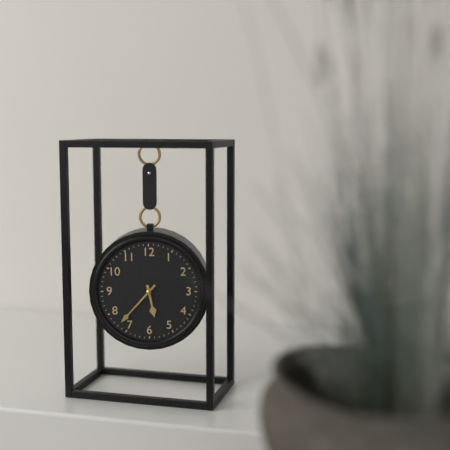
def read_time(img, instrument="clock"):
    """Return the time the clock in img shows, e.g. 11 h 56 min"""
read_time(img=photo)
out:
5 h 37 min
